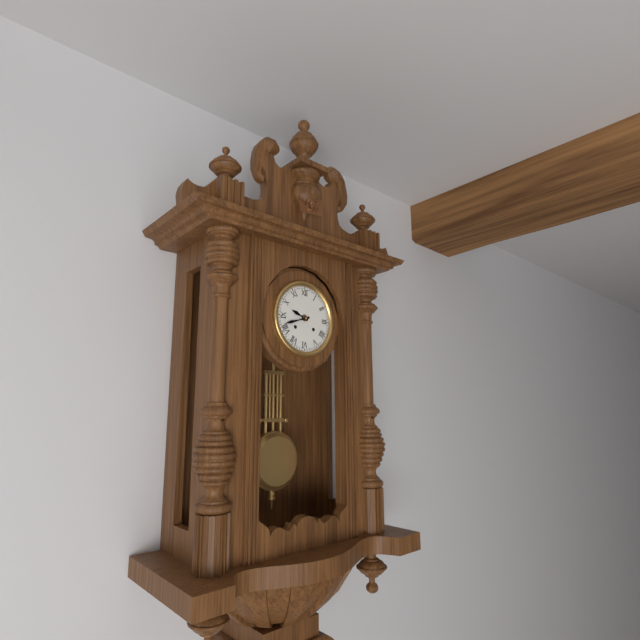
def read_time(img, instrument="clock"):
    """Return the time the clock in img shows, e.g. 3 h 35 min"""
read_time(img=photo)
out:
9 h 42 min
